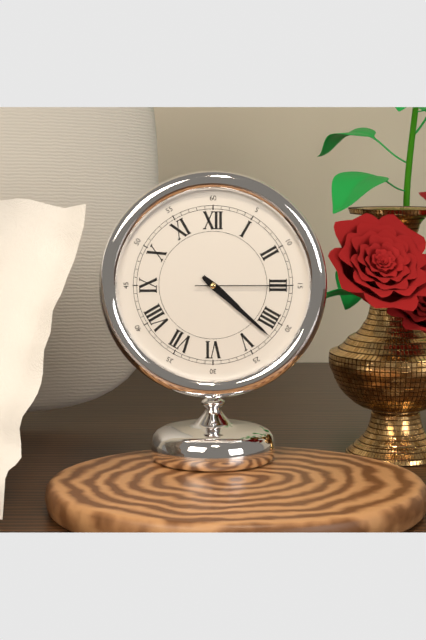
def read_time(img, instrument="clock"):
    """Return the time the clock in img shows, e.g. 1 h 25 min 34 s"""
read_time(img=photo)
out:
4 h 22 min 15 s
